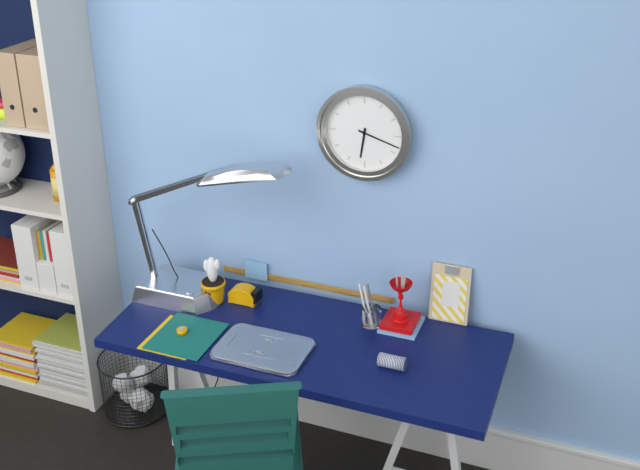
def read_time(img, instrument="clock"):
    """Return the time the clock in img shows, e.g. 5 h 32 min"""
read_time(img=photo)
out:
6 h 18 min
